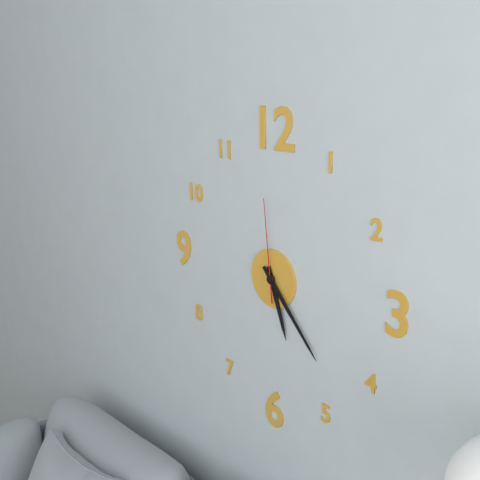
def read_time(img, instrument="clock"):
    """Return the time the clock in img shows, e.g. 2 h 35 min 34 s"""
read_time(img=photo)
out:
5 h 23 min 59 s
